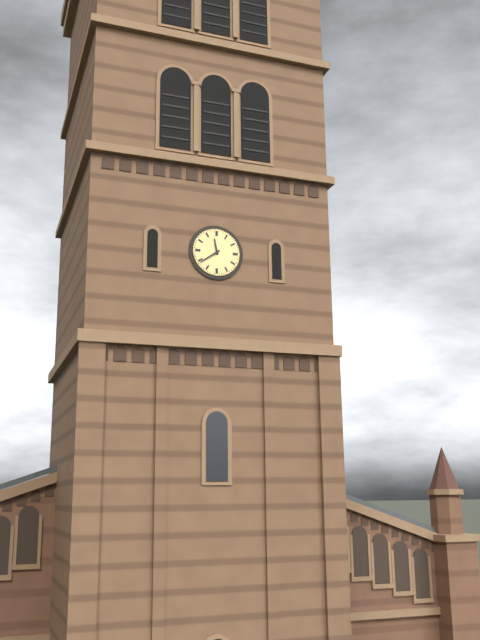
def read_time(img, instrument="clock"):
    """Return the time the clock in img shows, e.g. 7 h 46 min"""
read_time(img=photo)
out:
11 h 39 min
